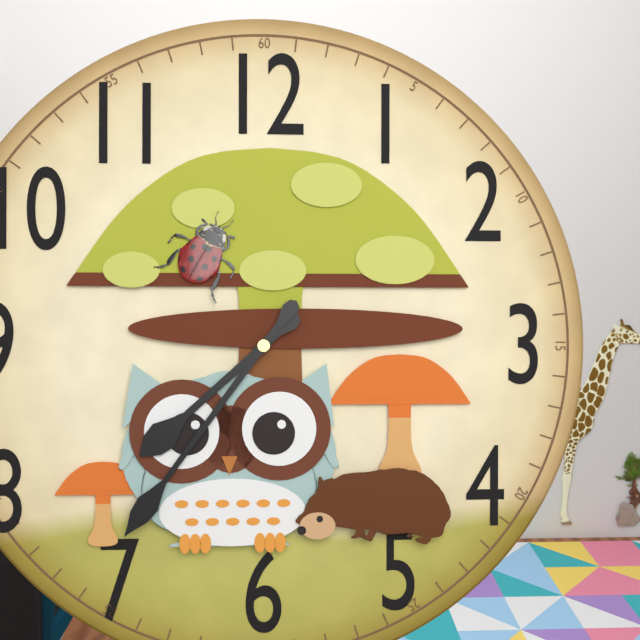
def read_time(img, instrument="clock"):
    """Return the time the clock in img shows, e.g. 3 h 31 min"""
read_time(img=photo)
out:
7 h 36 min
